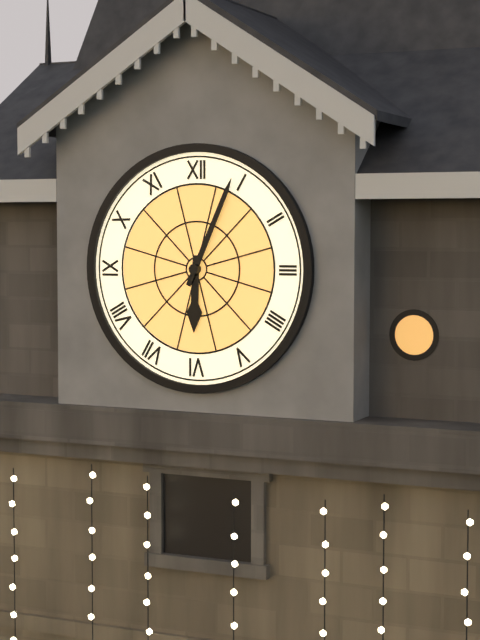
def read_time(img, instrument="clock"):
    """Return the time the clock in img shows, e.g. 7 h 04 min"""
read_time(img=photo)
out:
6 h 04 min
